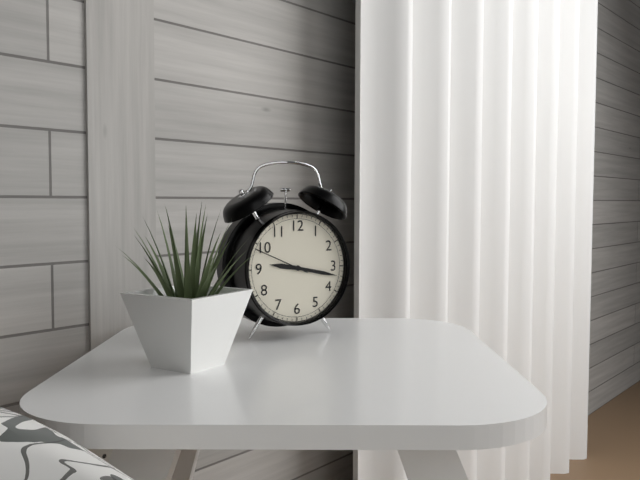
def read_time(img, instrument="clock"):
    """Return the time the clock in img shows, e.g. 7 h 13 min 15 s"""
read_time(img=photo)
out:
9 h 17 min 49 s
